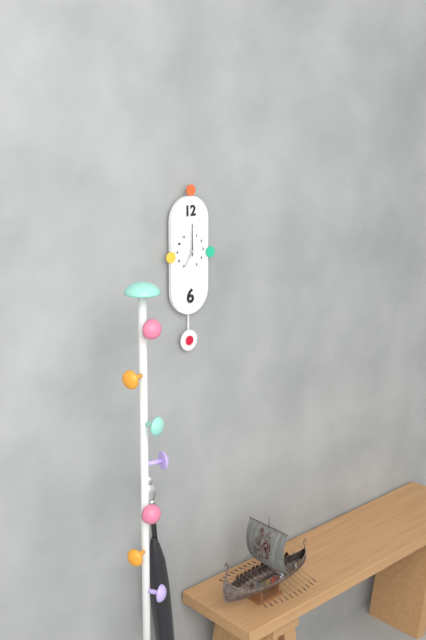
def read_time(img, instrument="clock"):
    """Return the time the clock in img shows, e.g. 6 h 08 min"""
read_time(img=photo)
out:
7 h 00 min
